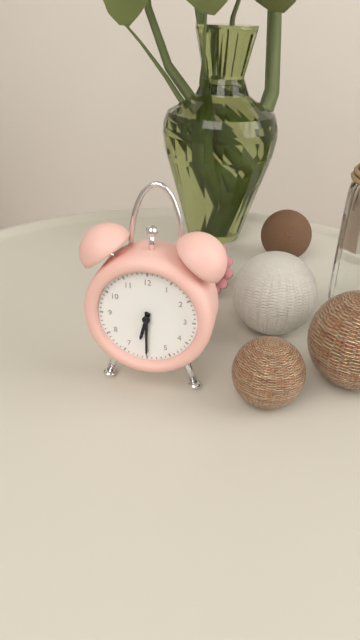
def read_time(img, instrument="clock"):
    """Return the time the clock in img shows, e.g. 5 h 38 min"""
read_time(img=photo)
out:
6 h 30 min
